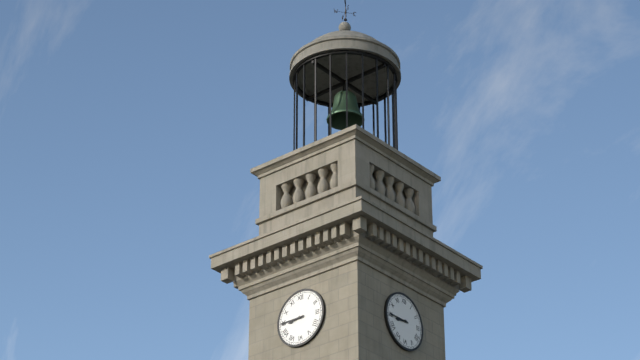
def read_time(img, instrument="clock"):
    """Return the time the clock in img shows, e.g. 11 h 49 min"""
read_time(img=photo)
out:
8 h 45 min
